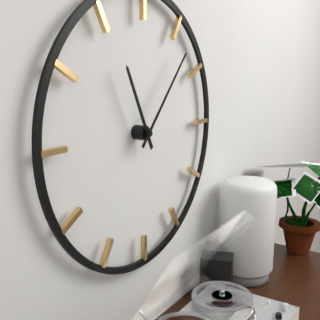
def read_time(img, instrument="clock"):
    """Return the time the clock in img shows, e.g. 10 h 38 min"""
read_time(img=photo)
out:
11 h 07 min
